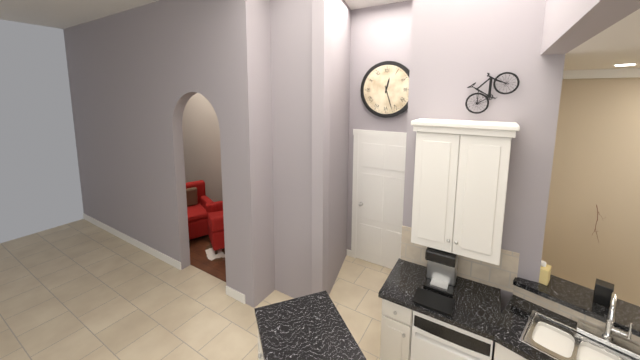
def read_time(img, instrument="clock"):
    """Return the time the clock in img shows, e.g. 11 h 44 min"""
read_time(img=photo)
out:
12 h 27 min
